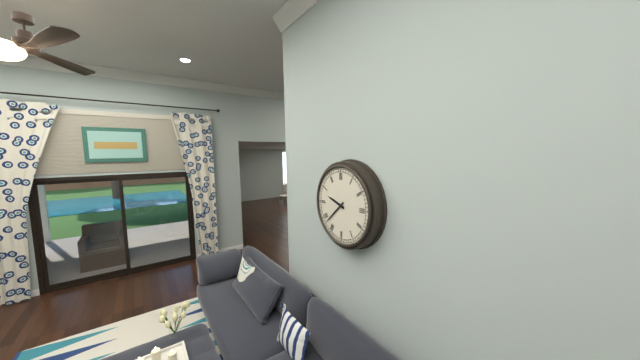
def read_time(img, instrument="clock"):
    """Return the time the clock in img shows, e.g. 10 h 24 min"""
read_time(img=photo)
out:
9 h 38 min
